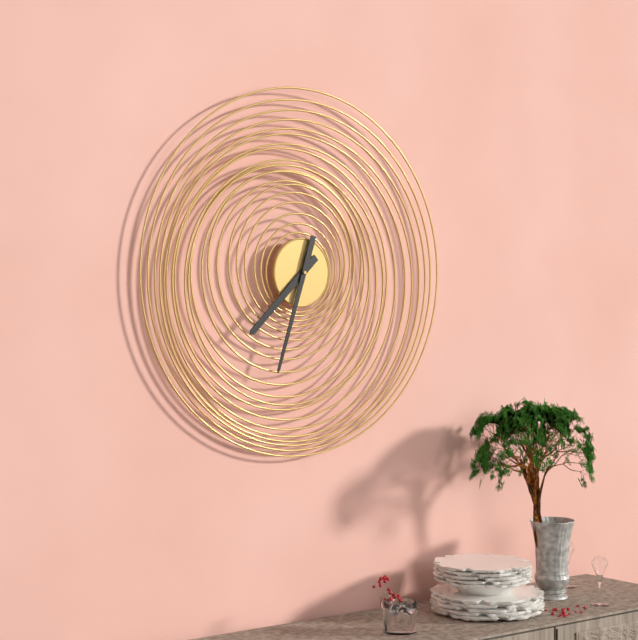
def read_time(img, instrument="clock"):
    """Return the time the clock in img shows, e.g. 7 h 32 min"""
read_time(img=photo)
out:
7 h 33 min
